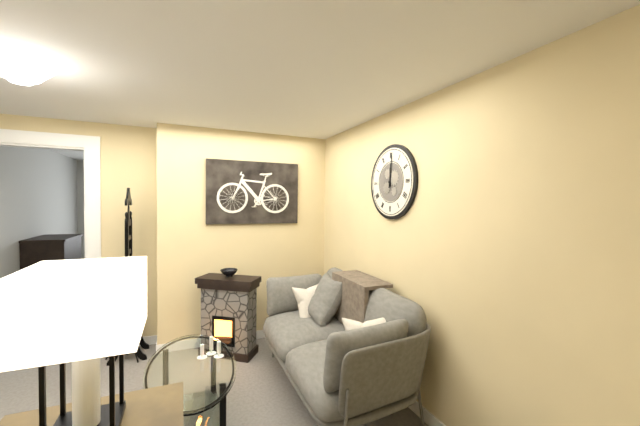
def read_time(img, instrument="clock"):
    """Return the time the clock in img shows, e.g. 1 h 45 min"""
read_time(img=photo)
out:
12 h 01 min
